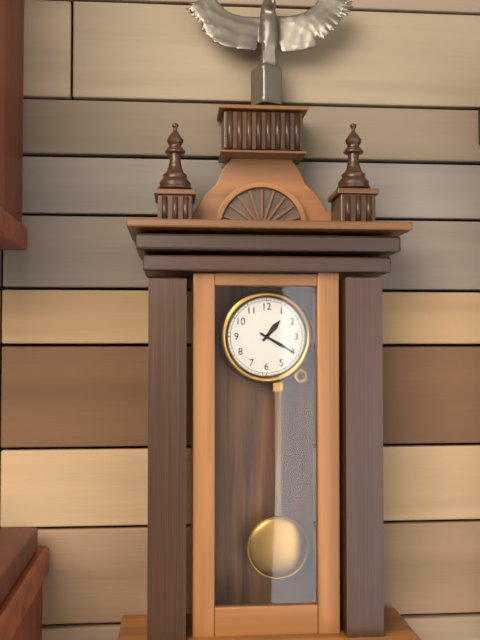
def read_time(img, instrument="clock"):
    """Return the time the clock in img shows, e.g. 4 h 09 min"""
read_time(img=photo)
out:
1 h 20 min
